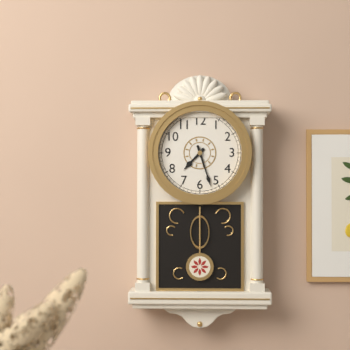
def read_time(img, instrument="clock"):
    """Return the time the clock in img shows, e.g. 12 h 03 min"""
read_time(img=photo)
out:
7 h 27 min
